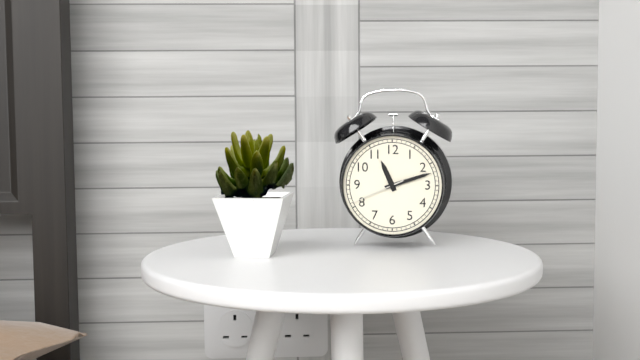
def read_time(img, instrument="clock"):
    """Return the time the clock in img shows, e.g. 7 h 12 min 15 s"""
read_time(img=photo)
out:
11 h 12 min 41 s
